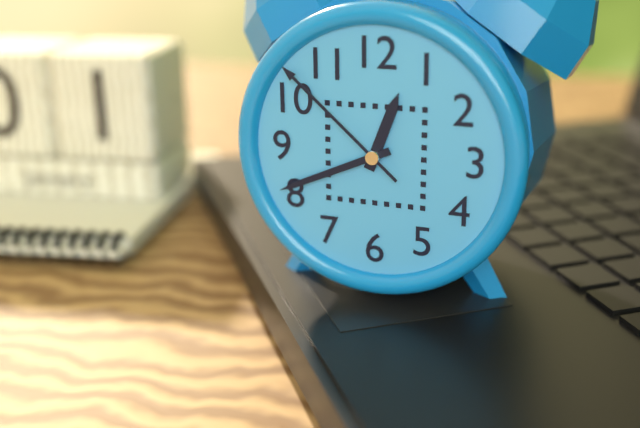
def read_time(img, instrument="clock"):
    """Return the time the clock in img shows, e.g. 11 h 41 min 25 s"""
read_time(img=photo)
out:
12 h 41 min 52 s
